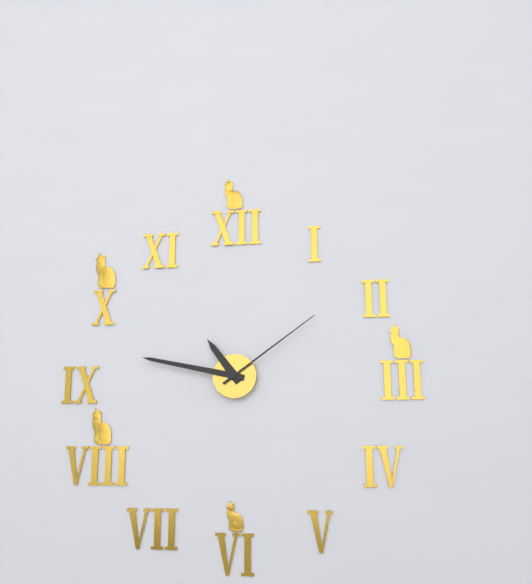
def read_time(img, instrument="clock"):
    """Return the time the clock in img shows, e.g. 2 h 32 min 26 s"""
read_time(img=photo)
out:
10 h 47 min 09 s
